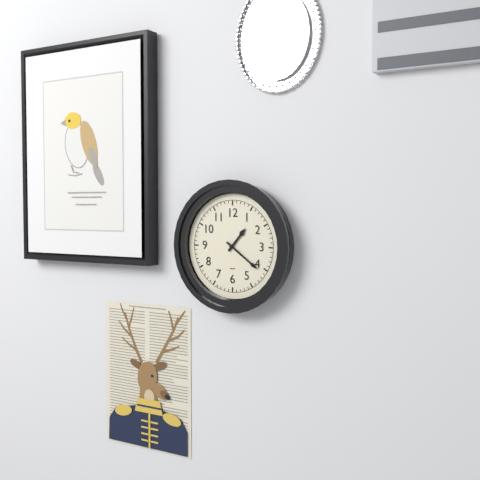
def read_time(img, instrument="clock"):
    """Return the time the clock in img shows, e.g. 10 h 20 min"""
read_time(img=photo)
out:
1 h 21 min
